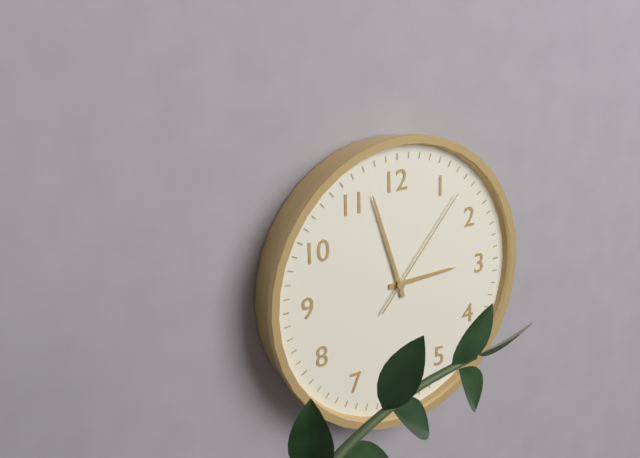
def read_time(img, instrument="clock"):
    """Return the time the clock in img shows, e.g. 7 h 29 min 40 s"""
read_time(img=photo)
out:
2 h 57 min 07 s
